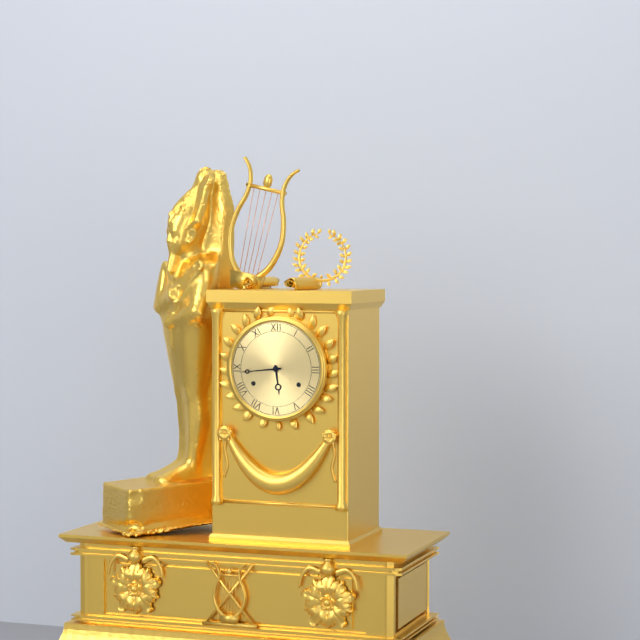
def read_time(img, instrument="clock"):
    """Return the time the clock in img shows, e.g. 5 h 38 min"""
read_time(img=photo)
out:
5 h 44 min
